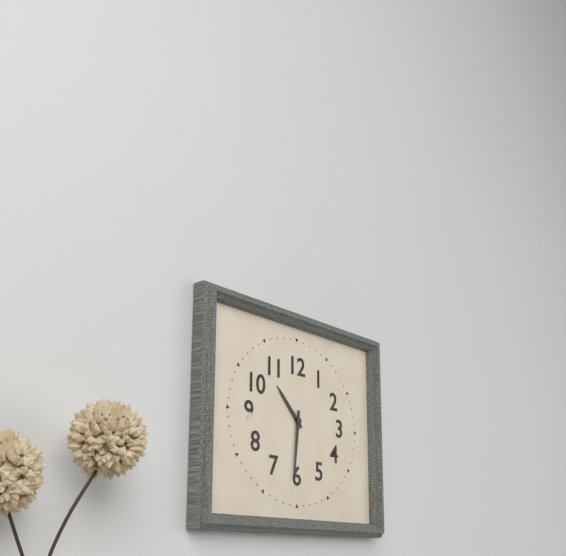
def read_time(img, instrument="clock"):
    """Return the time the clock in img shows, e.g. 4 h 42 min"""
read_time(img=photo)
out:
10 h 31 min
